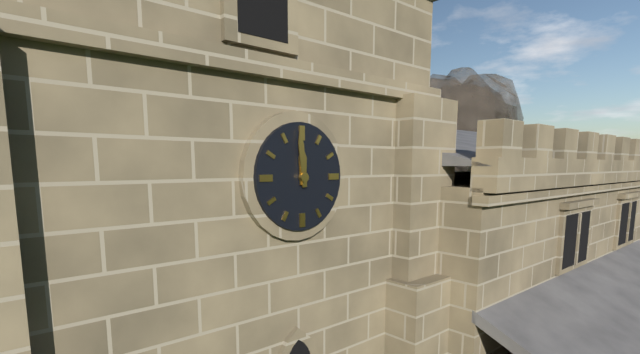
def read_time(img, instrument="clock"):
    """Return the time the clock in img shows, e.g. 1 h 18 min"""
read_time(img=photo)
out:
11 h 59 min
